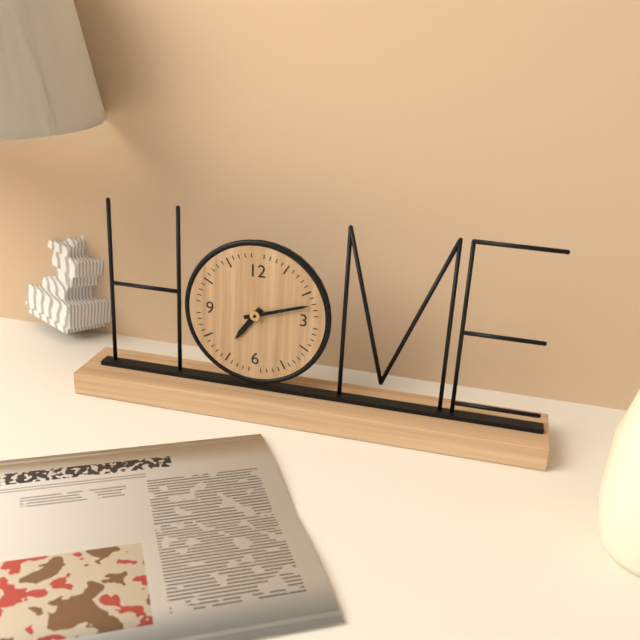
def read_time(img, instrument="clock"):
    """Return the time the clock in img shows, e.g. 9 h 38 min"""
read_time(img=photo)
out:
7 h 12 min
